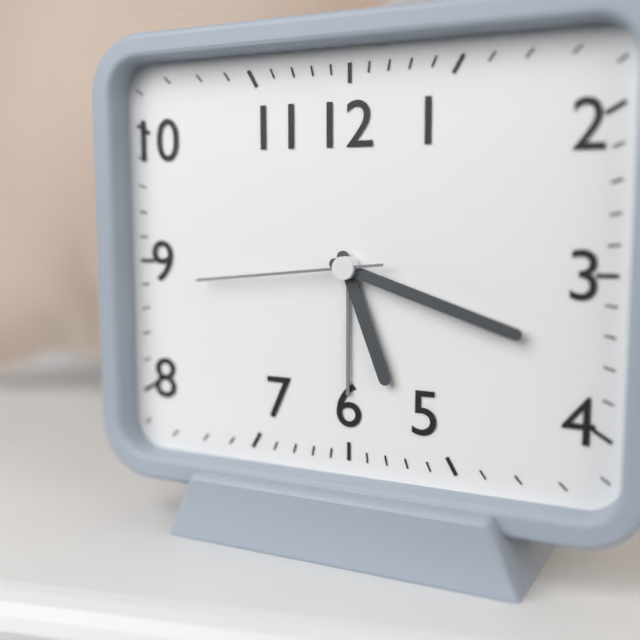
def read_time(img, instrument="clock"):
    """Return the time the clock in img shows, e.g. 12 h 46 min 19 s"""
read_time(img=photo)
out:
5 h 18 min 44 s
